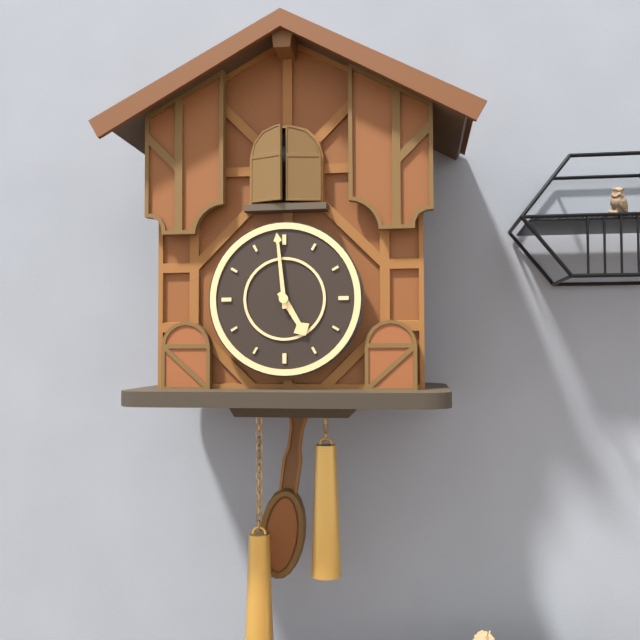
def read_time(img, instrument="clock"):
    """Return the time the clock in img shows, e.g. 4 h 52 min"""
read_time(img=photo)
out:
4 h 59 min
